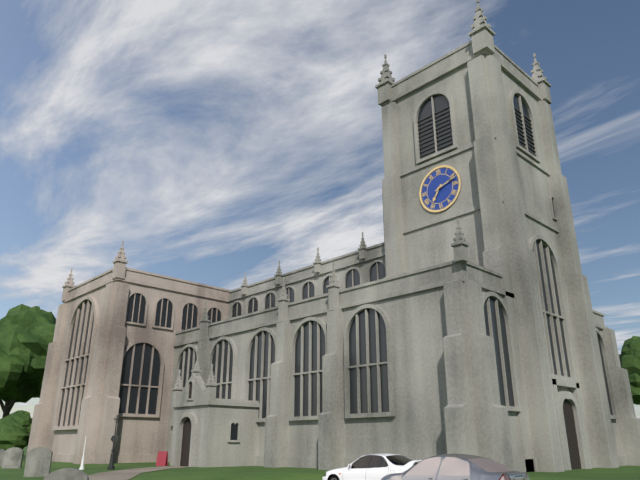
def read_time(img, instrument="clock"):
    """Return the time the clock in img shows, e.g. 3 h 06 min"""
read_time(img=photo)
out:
7 h 12 min
